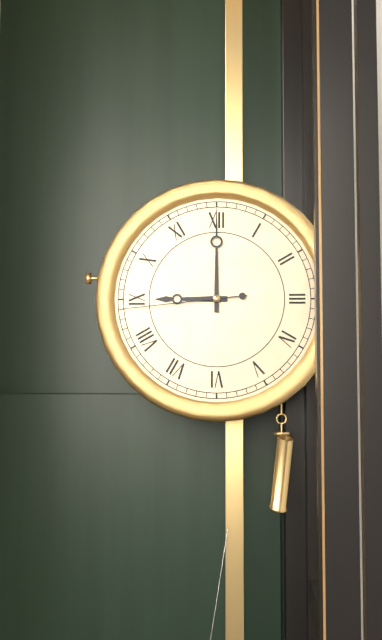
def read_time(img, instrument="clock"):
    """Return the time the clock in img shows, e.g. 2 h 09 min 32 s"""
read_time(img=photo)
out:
9 h 00 min 44 s
